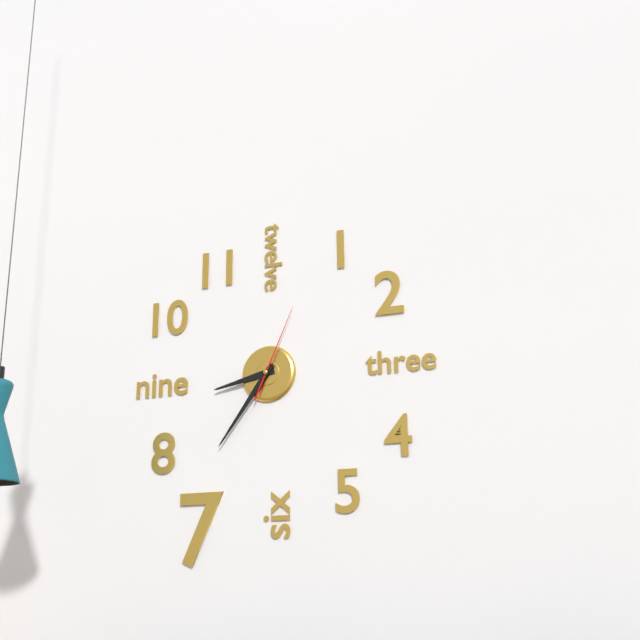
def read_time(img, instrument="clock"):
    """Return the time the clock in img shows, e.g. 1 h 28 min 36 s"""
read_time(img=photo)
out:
8 h 36 min 04 s
